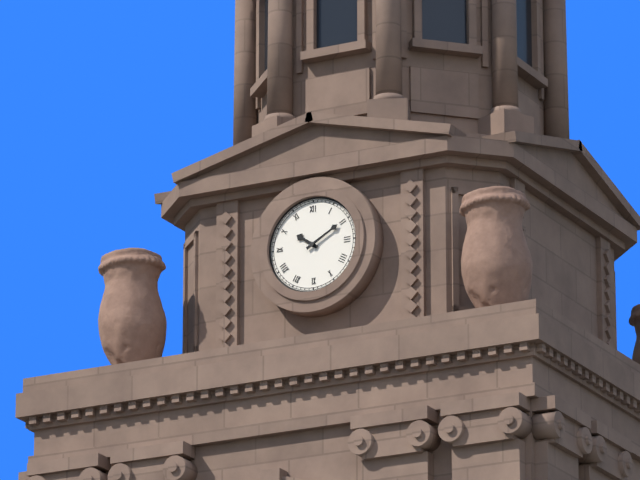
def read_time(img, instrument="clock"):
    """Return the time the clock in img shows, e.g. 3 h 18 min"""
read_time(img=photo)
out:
10 h 10 min
